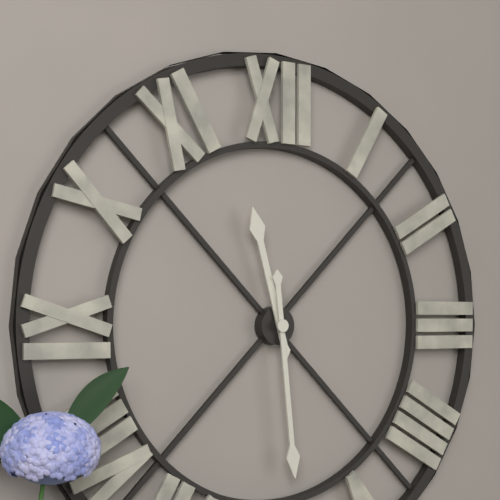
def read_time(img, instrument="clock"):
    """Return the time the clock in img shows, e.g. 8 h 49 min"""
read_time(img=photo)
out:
11 h 29 min
